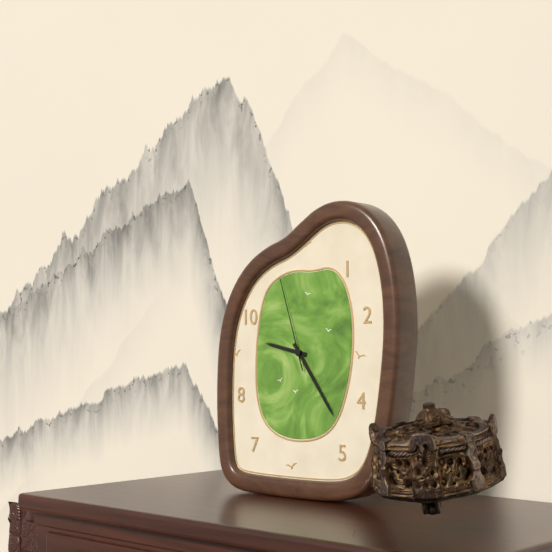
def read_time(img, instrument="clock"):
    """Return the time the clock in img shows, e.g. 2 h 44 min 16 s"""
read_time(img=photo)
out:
9 h 24 min 57 s
